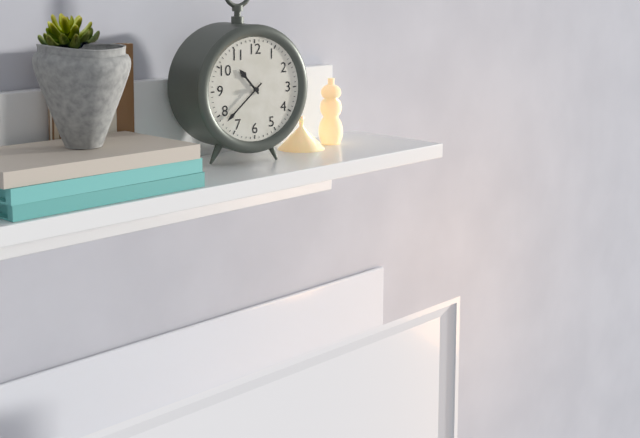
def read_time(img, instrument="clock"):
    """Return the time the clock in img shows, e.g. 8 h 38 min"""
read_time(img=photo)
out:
10 h 38 min
